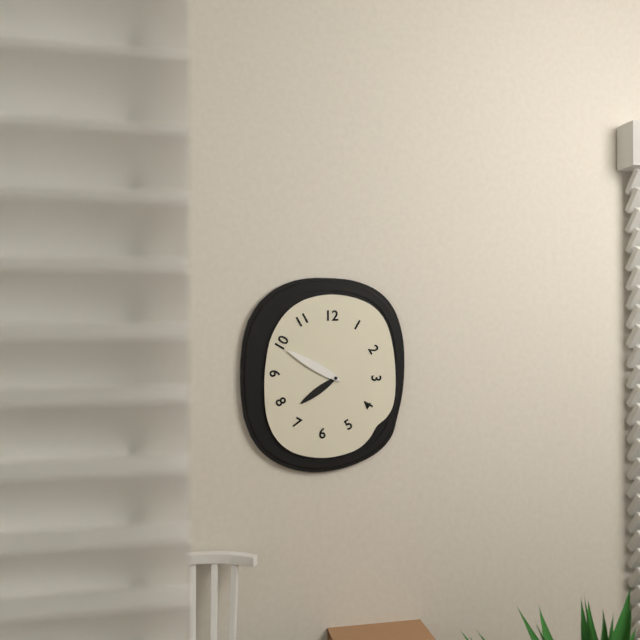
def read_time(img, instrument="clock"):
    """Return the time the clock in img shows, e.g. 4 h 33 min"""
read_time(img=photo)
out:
7 h 50 min
